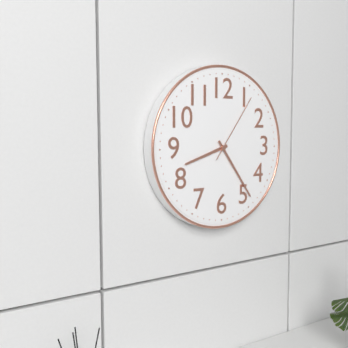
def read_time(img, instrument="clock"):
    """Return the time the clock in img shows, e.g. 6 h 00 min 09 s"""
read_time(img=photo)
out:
8 h 24 min 06 s
